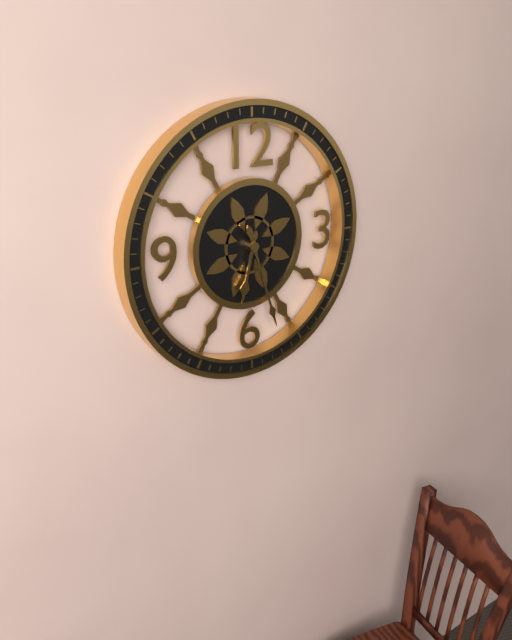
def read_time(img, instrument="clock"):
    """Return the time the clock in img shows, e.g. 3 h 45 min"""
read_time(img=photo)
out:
6 h 27 min
